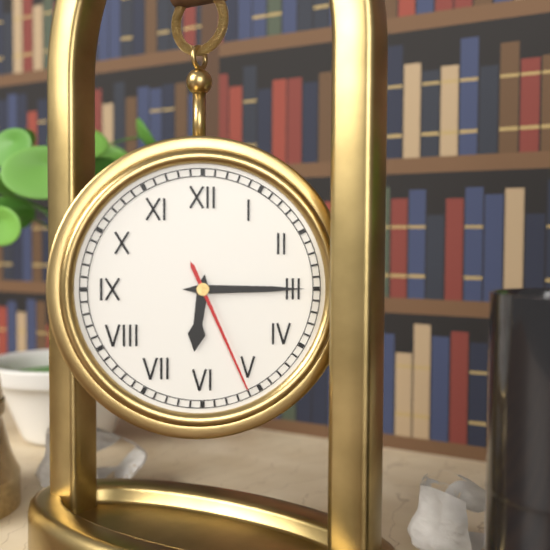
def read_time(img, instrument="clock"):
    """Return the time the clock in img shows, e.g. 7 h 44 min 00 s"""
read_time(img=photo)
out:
6 h 15 min 26 s
